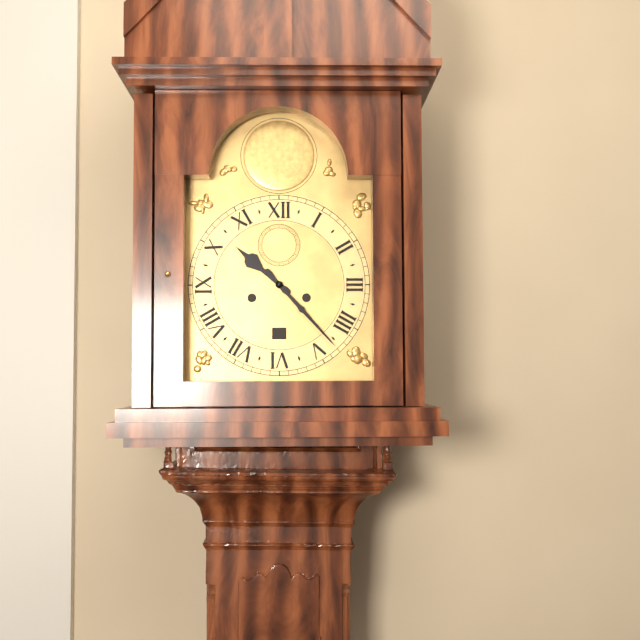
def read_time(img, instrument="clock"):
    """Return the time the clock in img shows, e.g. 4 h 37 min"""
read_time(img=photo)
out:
10 h 23 min
